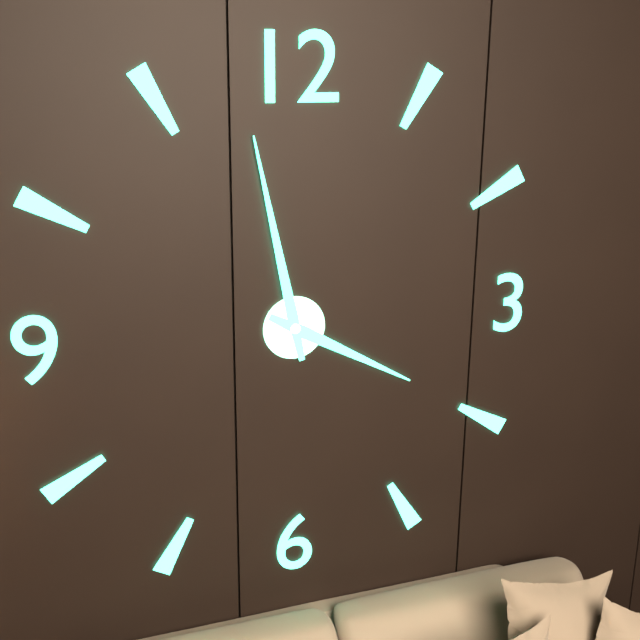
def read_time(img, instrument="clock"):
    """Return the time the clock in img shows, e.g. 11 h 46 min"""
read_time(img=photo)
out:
3 h 58 min
